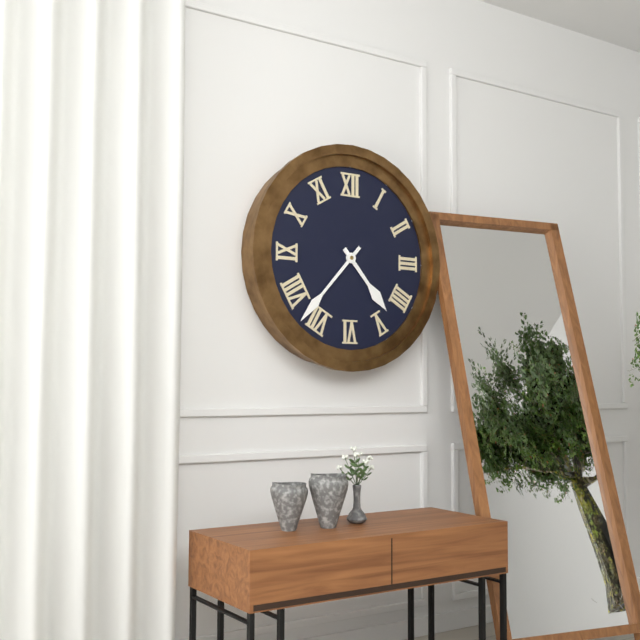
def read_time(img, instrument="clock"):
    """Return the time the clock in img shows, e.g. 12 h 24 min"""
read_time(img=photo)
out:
4 h 37 min
